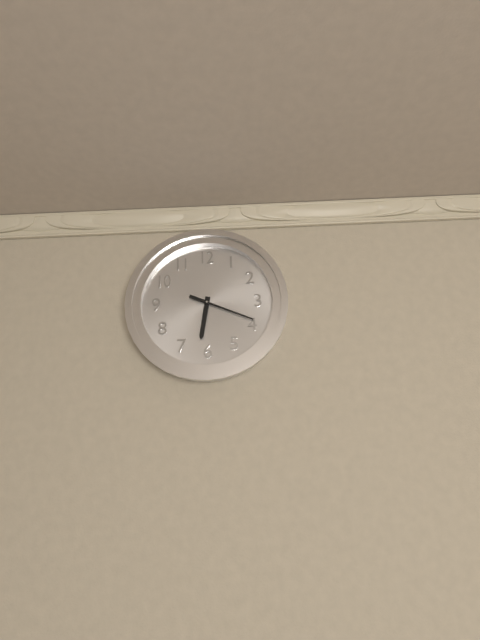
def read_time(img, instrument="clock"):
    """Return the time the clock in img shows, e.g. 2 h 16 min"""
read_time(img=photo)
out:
6 h 19 min
